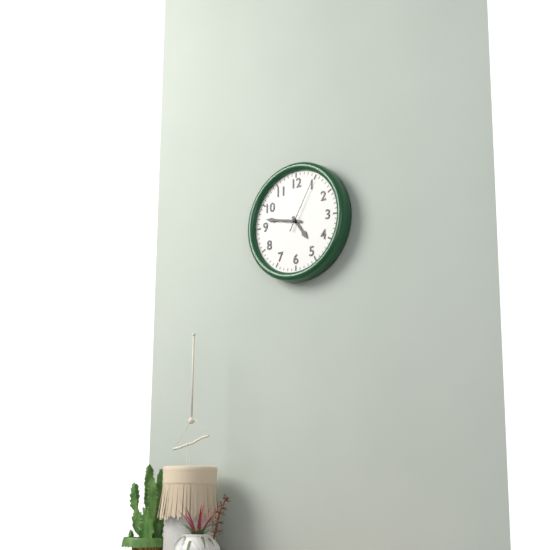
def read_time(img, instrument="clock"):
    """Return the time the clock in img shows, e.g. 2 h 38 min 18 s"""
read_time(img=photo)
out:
4 h 47 min 05 s
